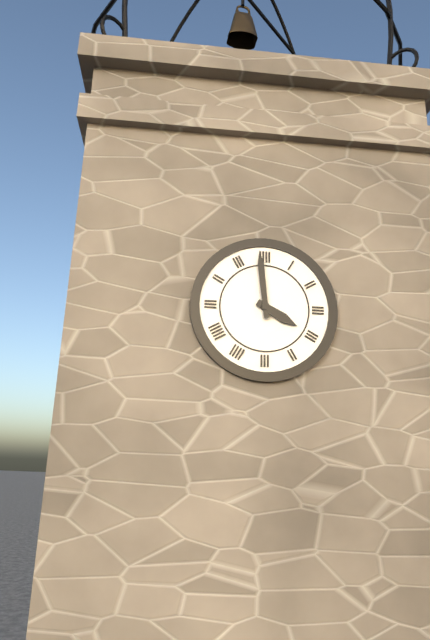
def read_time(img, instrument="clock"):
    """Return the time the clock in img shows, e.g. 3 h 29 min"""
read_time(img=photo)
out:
3 h 59 min
